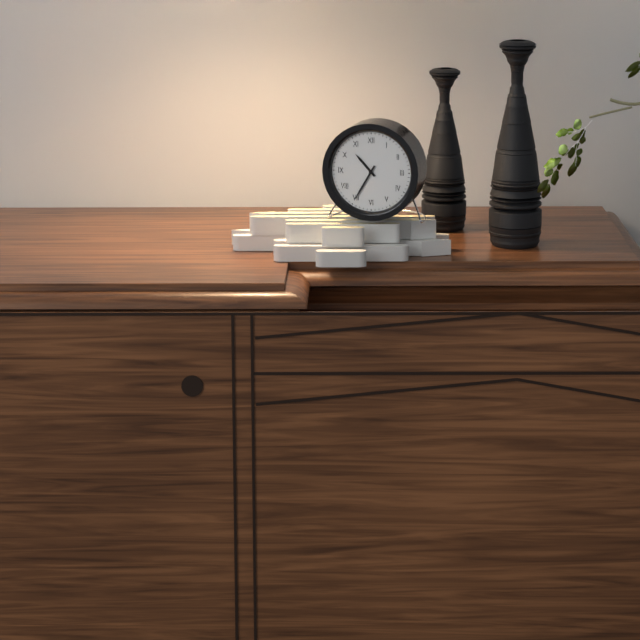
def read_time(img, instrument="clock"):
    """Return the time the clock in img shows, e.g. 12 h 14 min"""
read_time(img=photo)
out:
10 h 35 min
